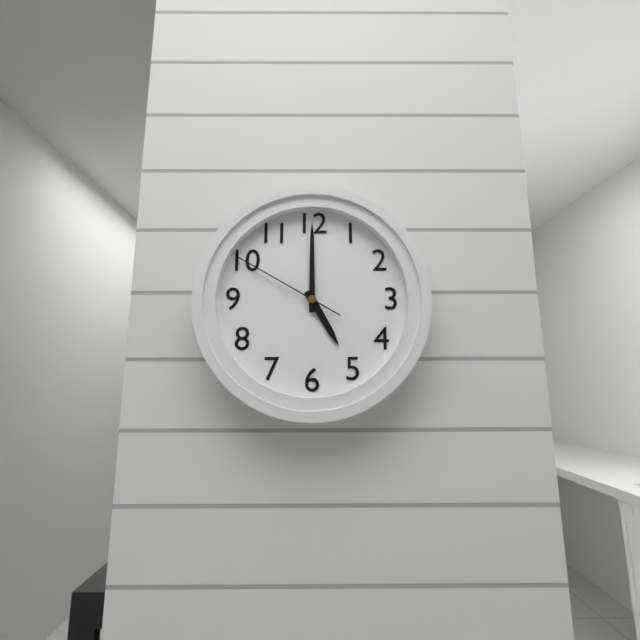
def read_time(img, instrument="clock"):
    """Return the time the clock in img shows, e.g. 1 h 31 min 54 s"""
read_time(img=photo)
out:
5 h 00 min 50 s
